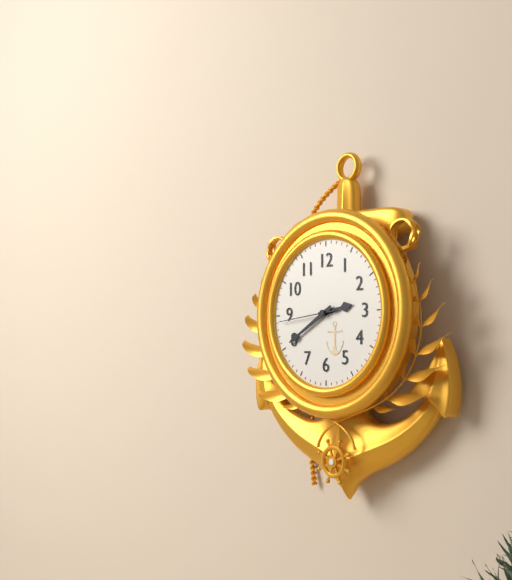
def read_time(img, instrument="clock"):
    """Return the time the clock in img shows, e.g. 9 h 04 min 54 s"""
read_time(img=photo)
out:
2 h 40 min 44 s
